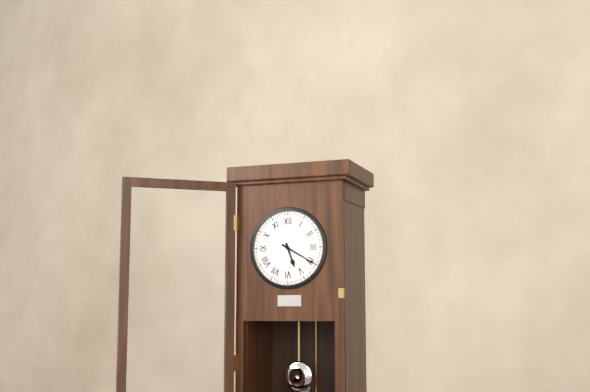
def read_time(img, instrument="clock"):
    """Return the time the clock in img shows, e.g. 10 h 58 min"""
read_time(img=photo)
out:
5 h 20 min
